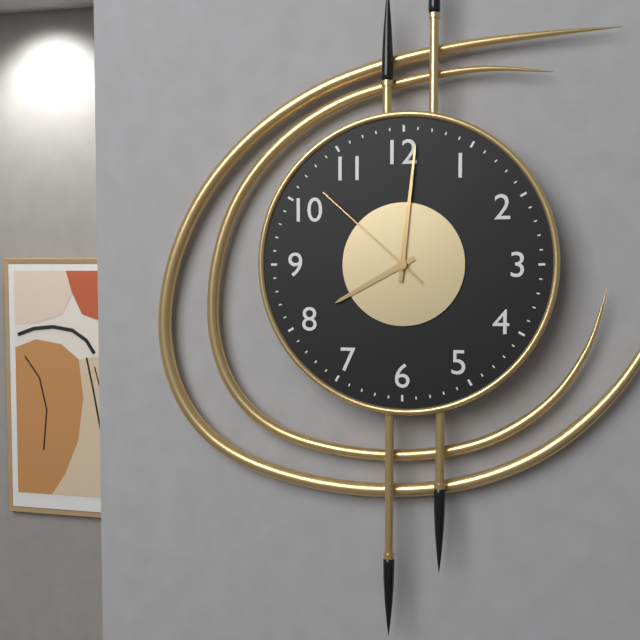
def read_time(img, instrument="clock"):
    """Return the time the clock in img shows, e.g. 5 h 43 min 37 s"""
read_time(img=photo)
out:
8 h 01 min 52 s
